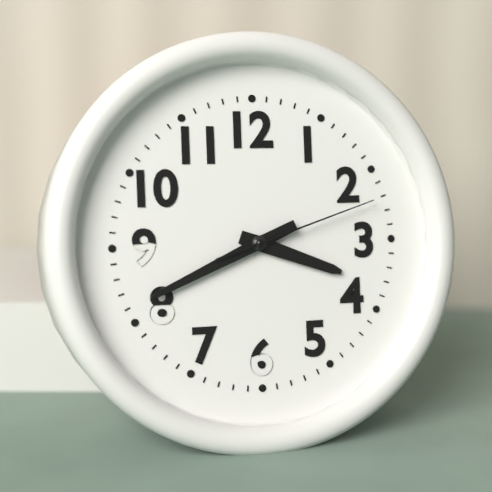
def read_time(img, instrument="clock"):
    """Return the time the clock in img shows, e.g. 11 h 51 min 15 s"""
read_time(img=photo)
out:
3 h 41 min 12 s
